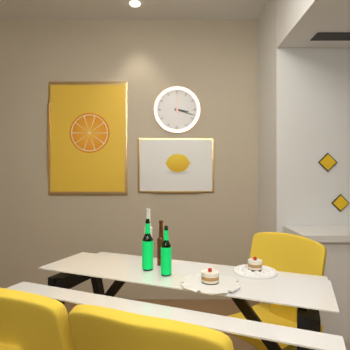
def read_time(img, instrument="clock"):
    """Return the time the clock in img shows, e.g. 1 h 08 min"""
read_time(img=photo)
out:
3 h 18 min
